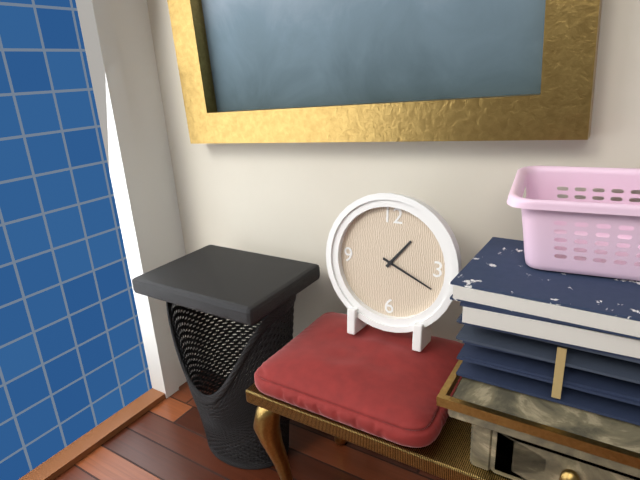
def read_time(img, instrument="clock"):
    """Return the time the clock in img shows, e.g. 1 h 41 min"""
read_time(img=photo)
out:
1 h 19 min
